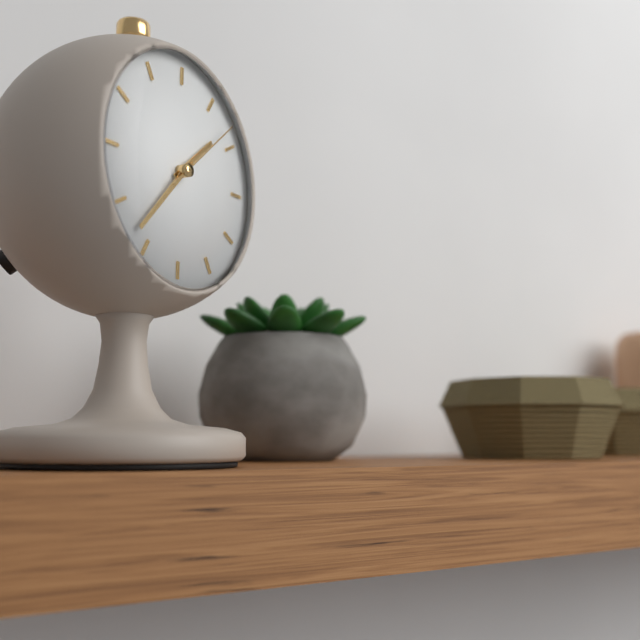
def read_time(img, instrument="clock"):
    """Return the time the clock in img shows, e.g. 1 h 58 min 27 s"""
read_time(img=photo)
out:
1 h 37 min 08 s
